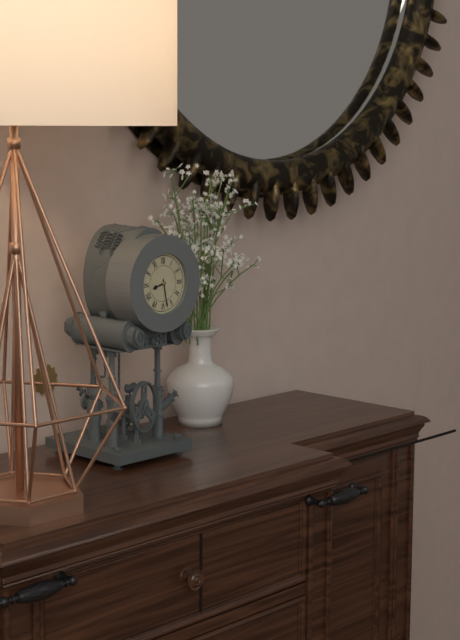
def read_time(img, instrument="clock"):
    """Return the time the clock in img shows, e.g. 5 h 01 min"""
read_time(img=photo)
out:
8 h 28 min
